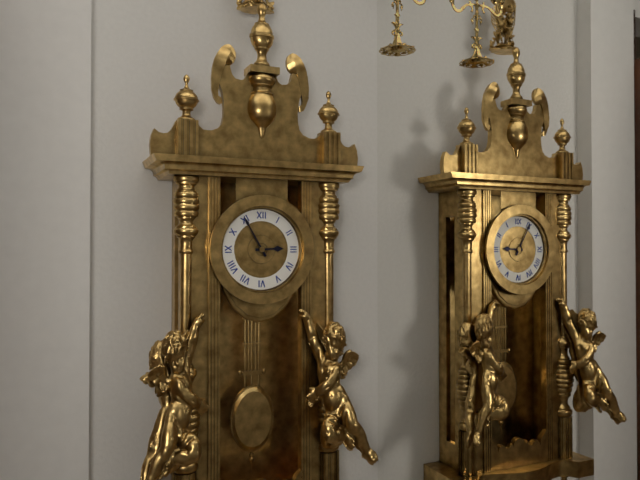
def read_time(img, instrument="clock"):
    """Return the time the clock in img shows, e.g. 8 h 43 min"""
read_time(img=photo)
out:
2 h 55 min
